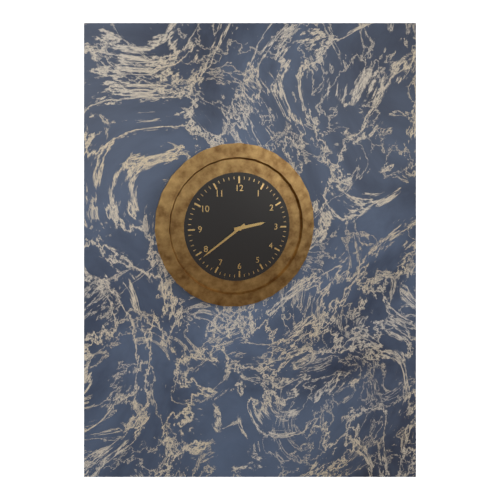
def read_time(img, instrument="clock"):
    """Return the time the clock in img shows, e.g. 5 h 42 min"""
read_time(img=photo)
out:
2 h 39 min
